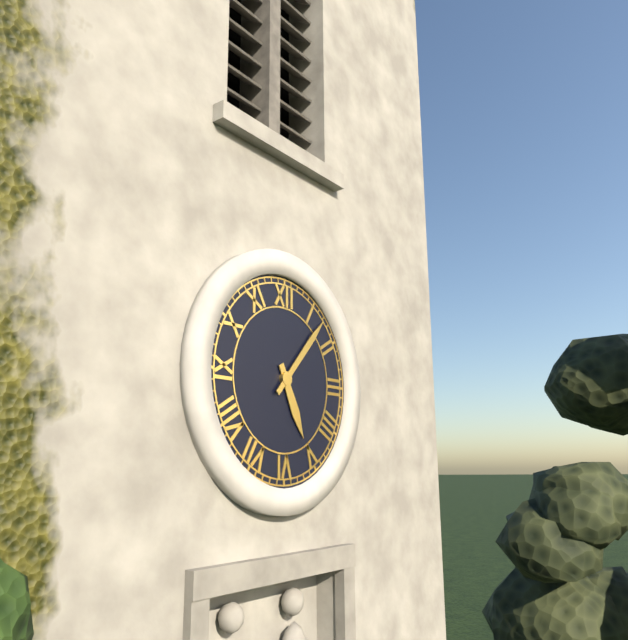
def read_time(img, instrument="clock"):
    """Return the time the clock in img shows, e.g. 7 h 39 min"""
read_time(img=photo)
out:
5 h 07 min
